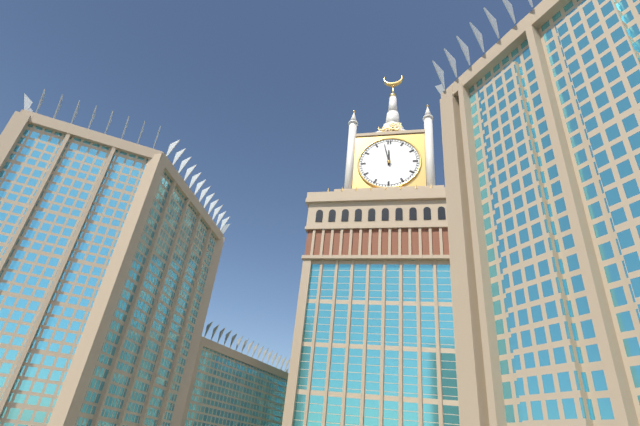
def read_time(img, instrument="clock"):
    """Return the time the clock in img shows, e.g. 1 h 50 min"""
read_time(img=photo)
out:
11 h 58 min
